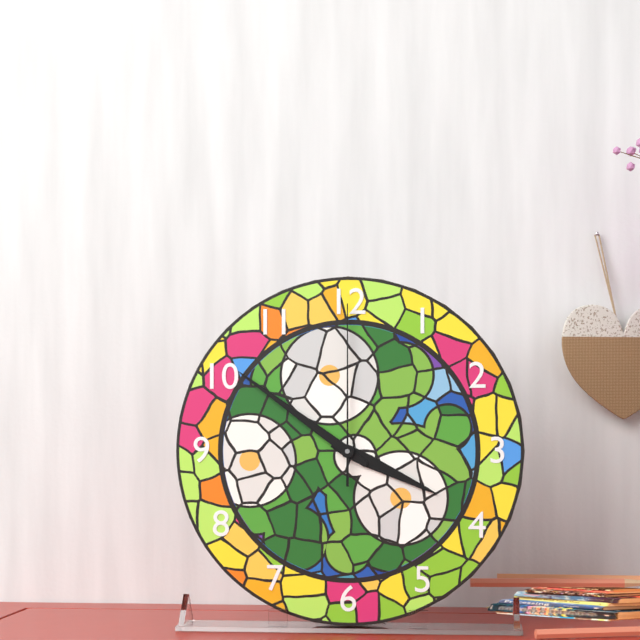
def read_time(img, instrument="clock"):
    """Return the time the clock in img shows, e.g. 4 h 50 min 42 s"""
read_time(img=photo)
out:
3 h 51 min 00 s
